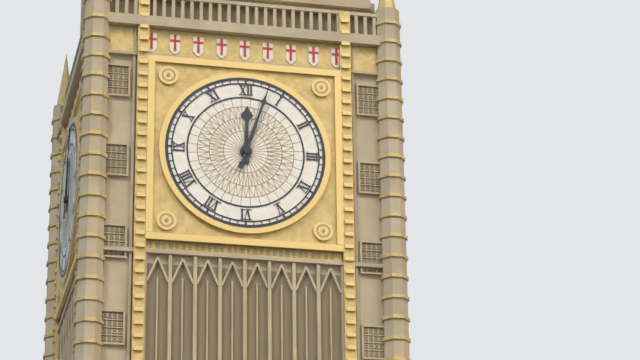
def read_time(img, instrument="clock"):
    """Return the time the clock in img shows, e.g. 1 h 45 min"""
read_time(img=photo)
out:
12 h 03 min
